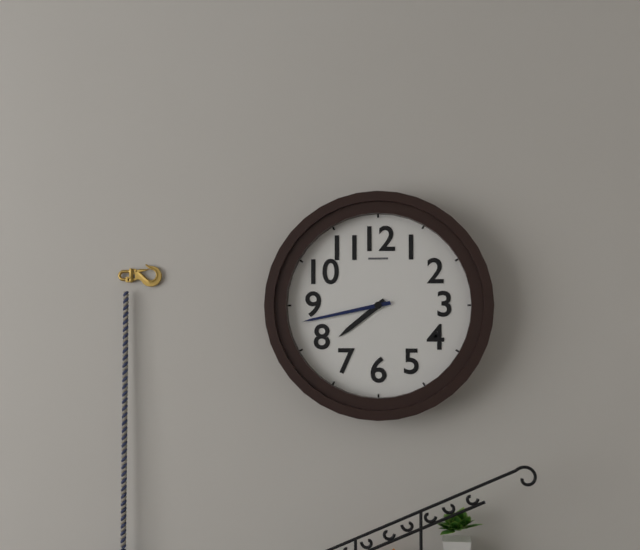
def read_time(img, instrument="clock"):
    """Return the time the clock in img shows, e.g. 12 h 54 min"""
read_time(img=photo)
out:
7 h 43 min
